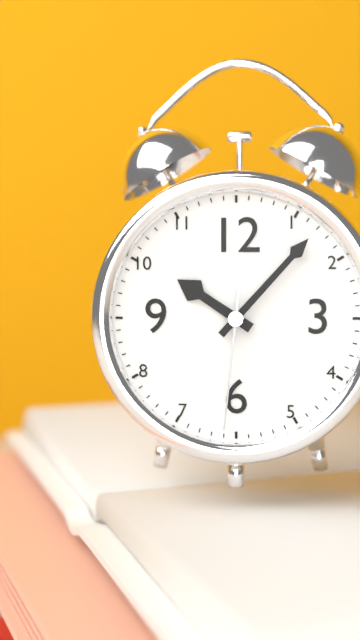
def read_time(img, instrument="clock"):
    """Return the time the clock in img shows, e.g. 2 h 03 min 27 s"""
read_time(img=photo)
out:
10 h 07 min 31 s
